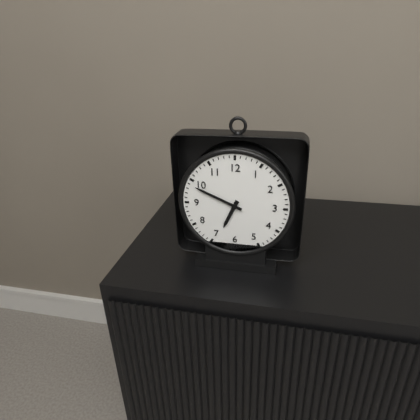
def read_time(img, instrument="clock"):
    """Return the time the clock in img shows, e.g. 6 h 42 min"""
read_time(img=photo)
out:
6 h 49 min
